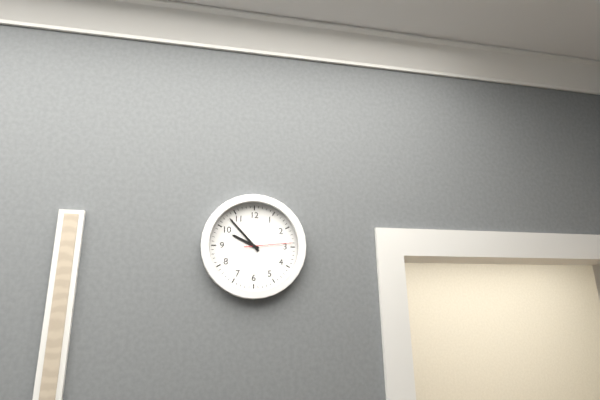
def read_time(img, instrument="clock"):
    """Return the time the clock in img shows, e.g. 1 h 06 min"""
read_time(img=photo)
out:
9 h 53 min
